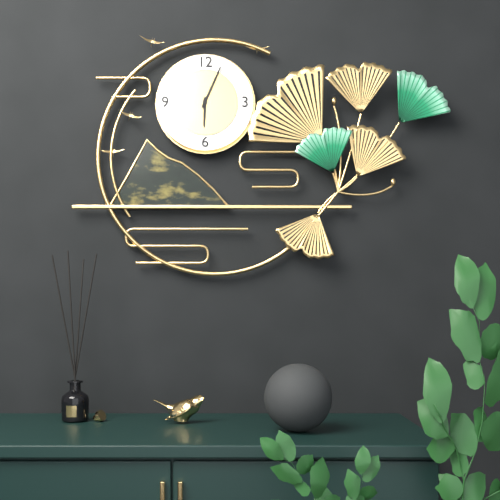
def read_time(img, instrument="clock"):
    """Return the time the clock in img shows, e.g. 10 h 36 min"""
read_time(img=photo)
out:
6 h 04 min
